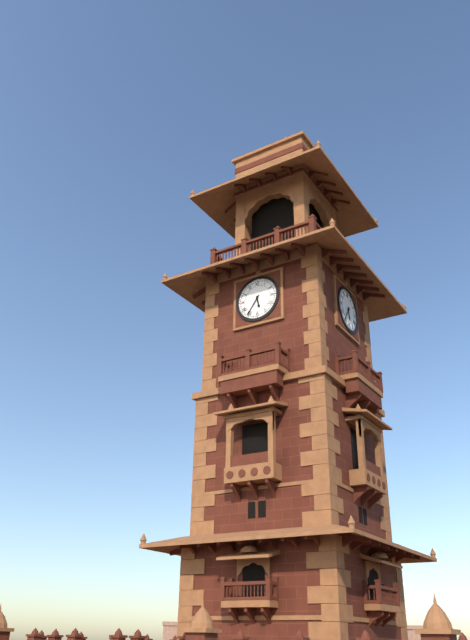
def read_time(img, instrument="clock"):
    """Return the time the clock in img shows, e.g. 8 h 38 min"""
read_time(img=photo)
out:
5 h 36 min
